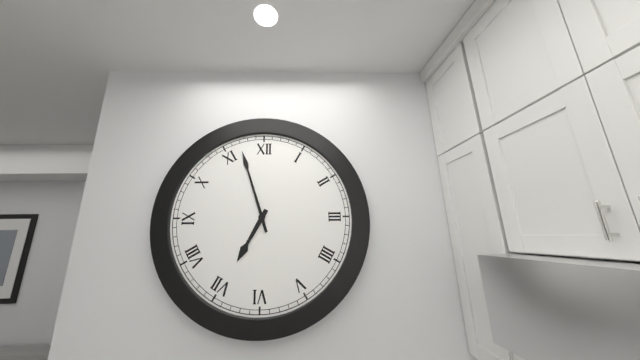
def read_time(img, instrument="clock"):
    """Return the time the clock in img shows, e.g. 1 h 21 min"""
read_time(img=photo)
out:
6 h 57 min
